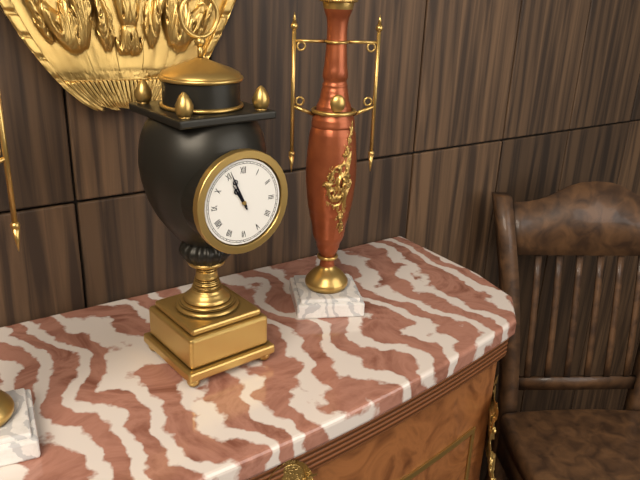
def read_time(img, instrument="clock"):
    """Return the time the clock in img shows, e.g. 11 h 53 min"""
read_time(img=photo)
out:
10 h 56 min
